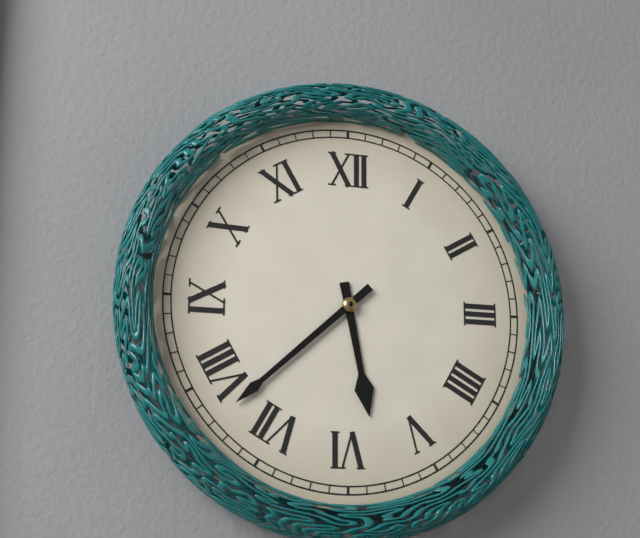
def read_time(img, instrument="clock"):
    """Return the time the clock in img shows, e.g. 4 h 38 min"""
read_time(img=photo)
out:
5 h 38 min
